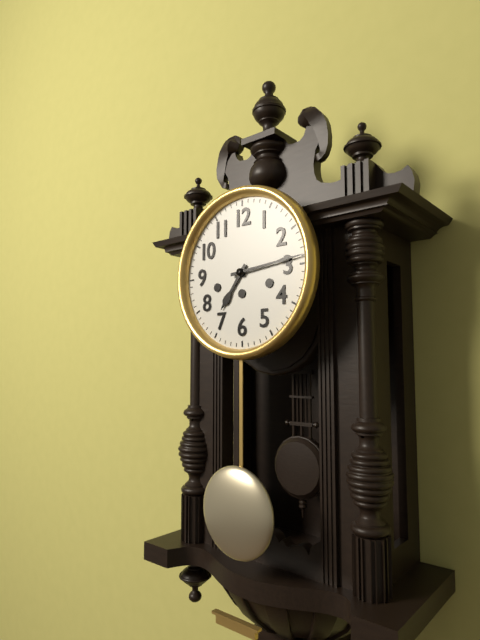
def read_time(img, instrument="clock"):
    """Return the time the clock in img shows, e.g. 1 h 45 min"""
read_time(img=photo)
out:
7 h 14 min
